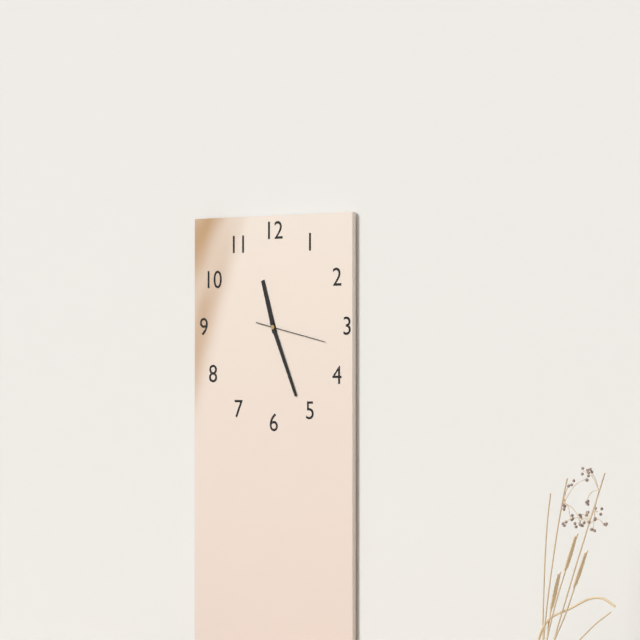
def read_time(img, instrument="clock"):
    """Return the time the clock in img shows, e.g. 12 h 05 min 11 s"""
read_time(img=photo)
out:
11 h 26 min 17 s
